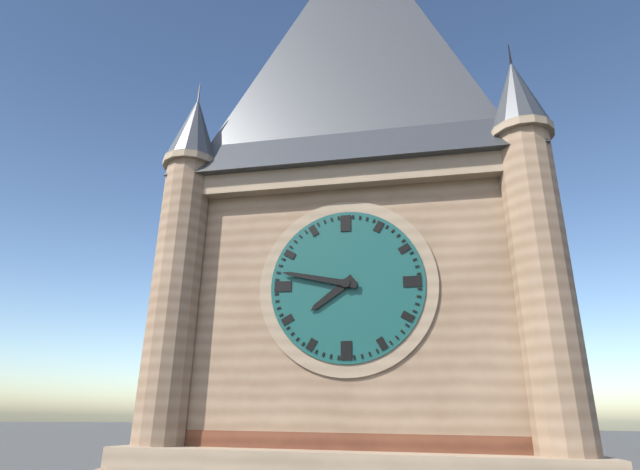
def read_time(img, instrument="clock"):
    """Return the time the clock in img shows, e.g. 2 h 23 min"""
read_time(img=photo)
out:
7 h 47 min
